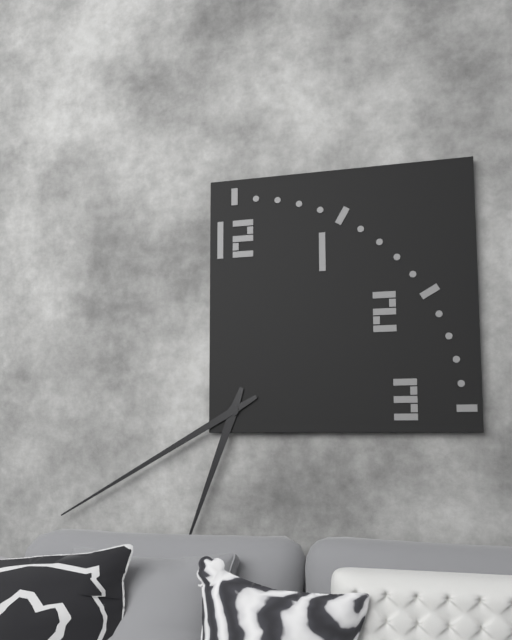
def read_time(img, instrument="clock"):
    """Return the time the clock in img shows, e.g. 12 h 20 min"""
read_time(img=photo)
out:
6 h 40 min
